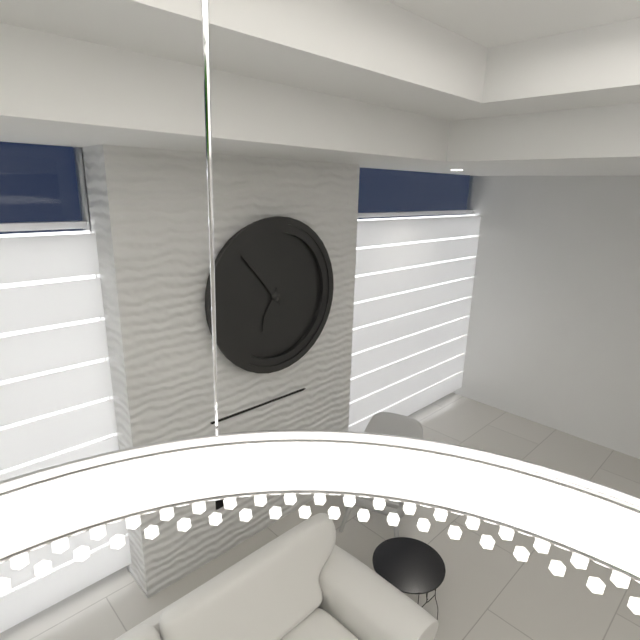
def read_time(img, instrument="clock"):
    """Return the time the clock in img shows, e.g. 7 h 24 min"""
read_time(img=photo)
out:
6 h 53 min
